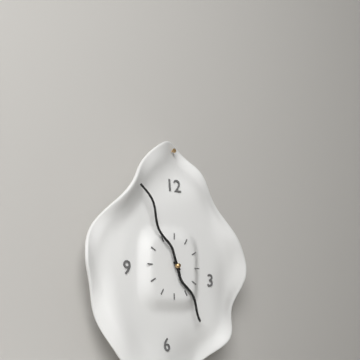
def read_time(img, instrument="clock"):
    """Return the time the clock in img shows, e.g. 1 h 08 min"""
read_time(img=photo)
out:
4 h 55 min
